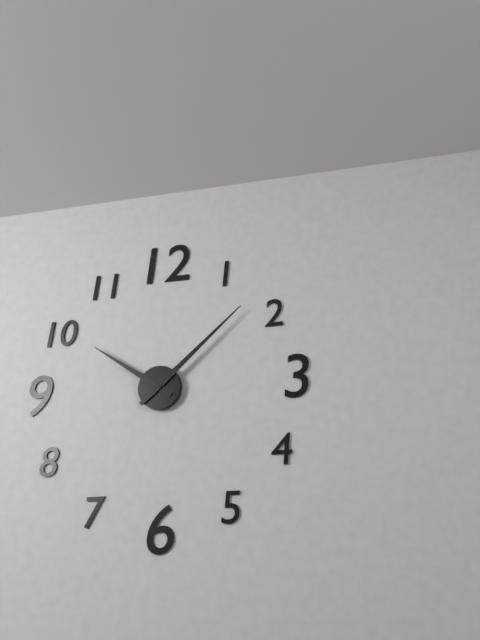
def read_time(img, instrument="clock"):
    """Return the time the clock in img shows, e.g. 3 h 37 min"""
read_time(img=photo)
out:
10 h 08 min
